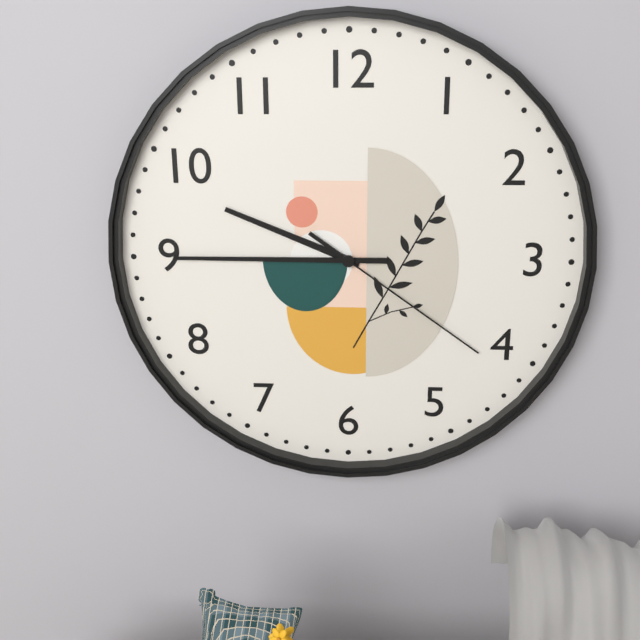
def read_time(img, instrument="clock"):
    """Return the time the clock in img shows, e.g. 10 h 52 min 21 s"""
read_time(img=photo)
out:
9 h 45 min 21 s
